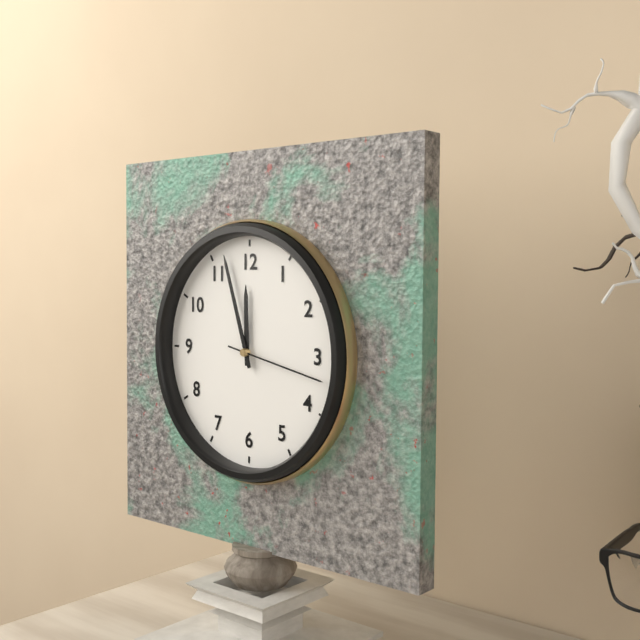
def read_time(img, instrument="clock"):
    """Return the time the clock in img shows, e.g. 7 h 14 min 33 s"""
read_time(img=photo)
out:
11 h 57 min 17 s
